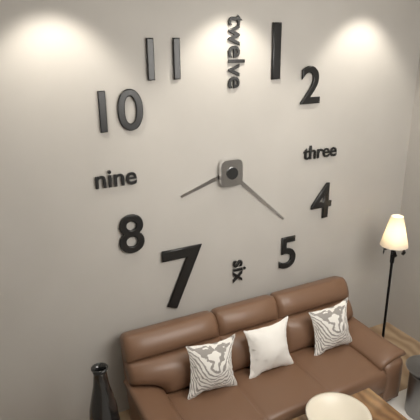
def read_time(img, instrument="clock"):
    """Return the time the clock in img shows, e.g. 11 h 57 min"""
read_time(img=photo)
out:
8 h 22 min
